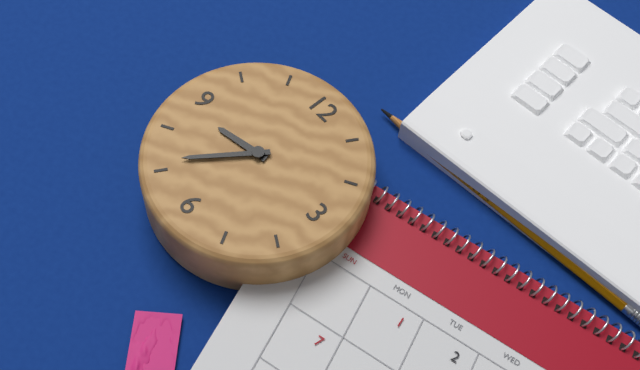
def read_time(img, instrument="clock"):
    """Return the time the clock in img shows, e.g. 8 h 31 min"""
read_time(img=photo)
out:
8 h 36 min
